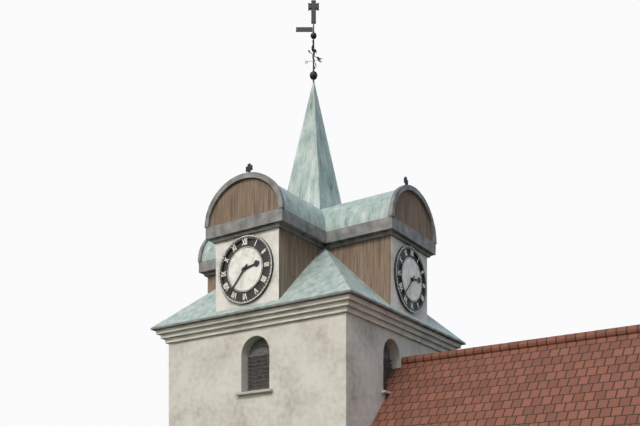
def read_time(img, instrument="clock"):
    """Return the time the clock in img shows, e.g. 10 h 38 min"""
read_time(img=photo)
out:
2 h 37 min
